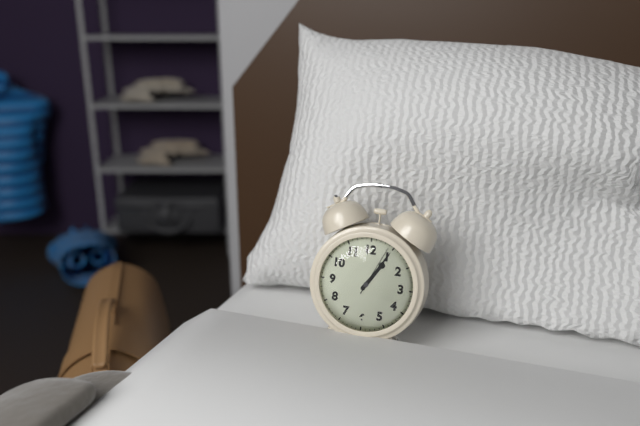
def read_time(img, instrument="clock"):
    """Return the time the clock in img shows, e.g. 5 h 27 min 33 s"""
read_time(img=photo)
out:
1 h 05 min 04 s
